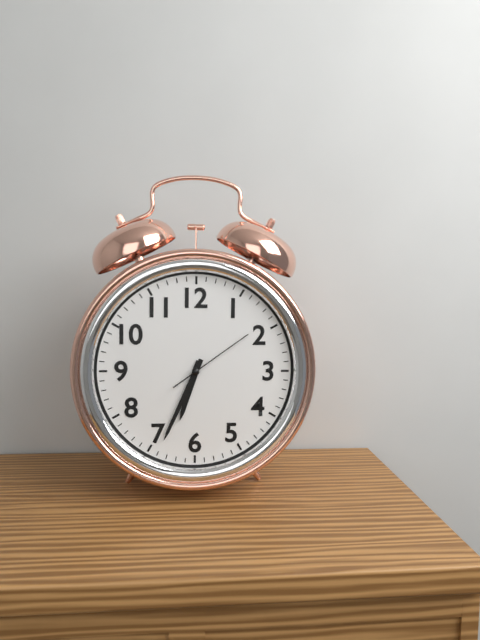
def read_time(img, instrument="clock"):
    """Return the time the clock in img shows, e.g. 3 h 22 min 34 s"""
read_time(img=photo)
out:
6 h 34 min 09 s
